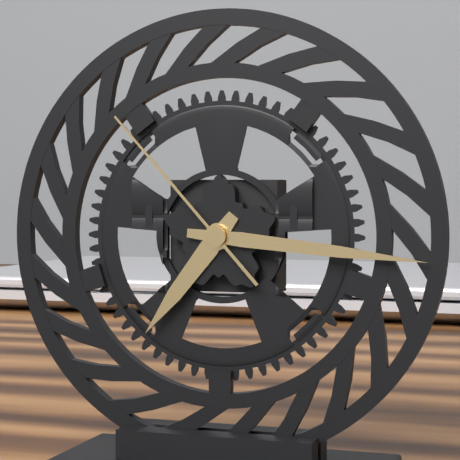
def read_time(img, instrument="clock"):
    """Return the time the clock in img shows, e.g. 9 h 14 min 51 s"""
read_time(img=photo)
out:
7 h 16 min 53 s
